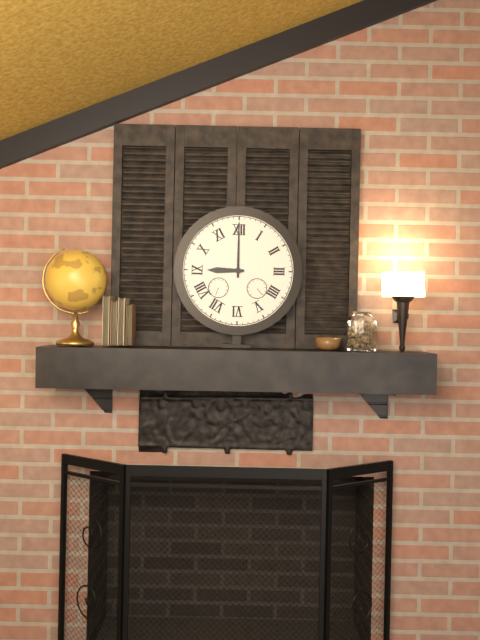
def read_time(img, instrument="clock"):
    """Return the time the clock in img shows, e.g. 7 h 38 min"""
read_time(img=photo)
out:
9 h 00 min
